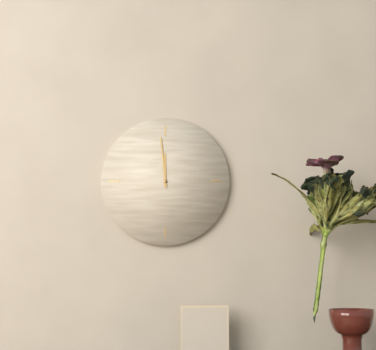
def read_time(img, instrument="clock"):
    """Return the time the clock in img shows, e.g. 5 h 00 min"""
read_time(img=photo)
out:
11 h 59 min
